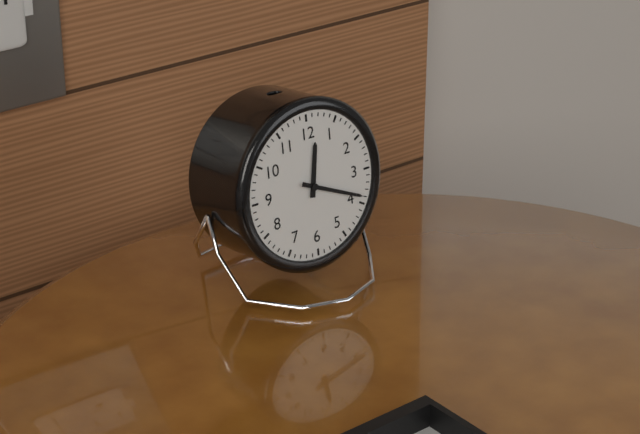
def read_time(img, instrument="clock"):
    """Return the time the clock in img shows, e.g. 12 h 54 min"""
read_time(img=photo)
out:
12 h 19 min
